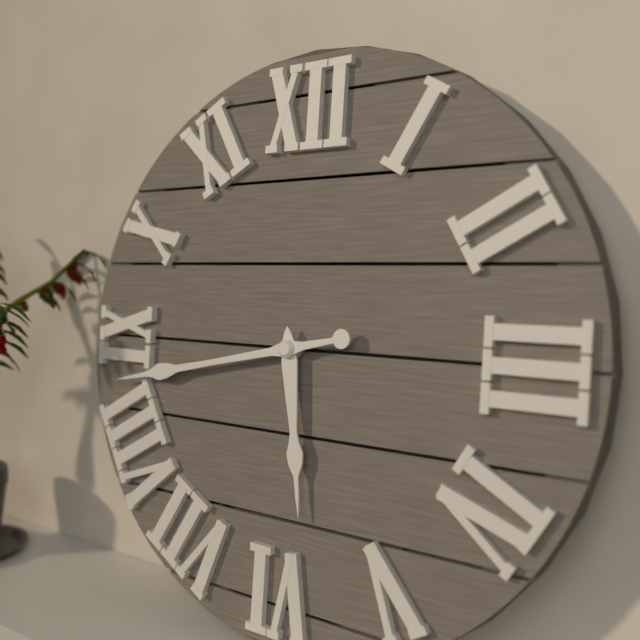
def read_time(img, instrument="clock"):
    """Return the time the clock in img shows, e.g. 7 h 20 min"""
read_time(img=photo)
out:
5 h 43 min
